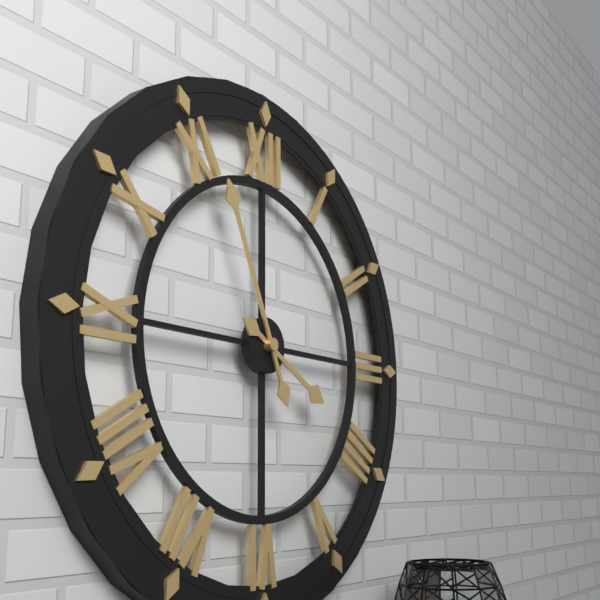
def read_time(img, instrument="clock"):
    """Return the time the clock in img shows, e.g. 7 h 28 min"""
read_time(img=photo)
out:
3 h 56 min
